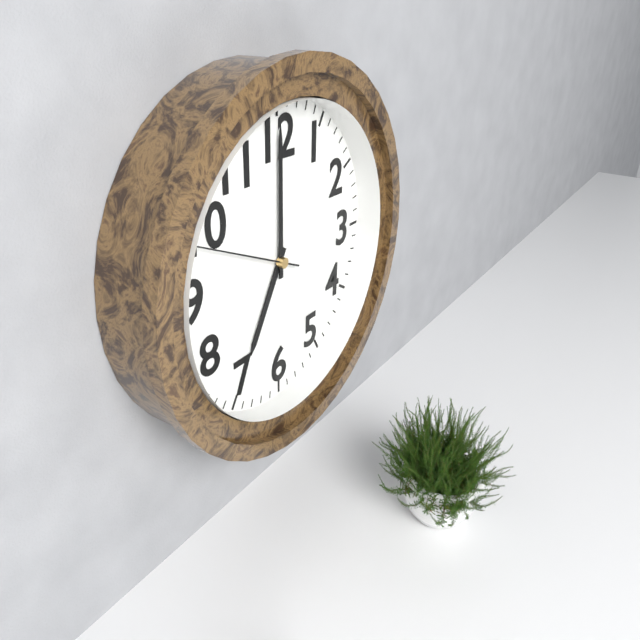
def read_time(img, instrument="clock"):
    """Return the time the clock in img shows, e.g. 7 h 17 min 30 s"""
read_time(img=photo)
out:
7 h 00 min 49 s
